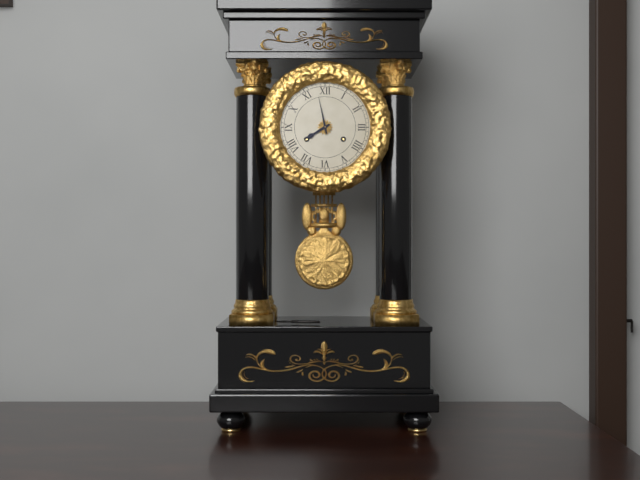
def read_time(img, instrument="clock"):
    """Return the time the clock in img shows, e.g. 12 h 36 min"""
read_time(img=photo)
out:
7 h 58 min
